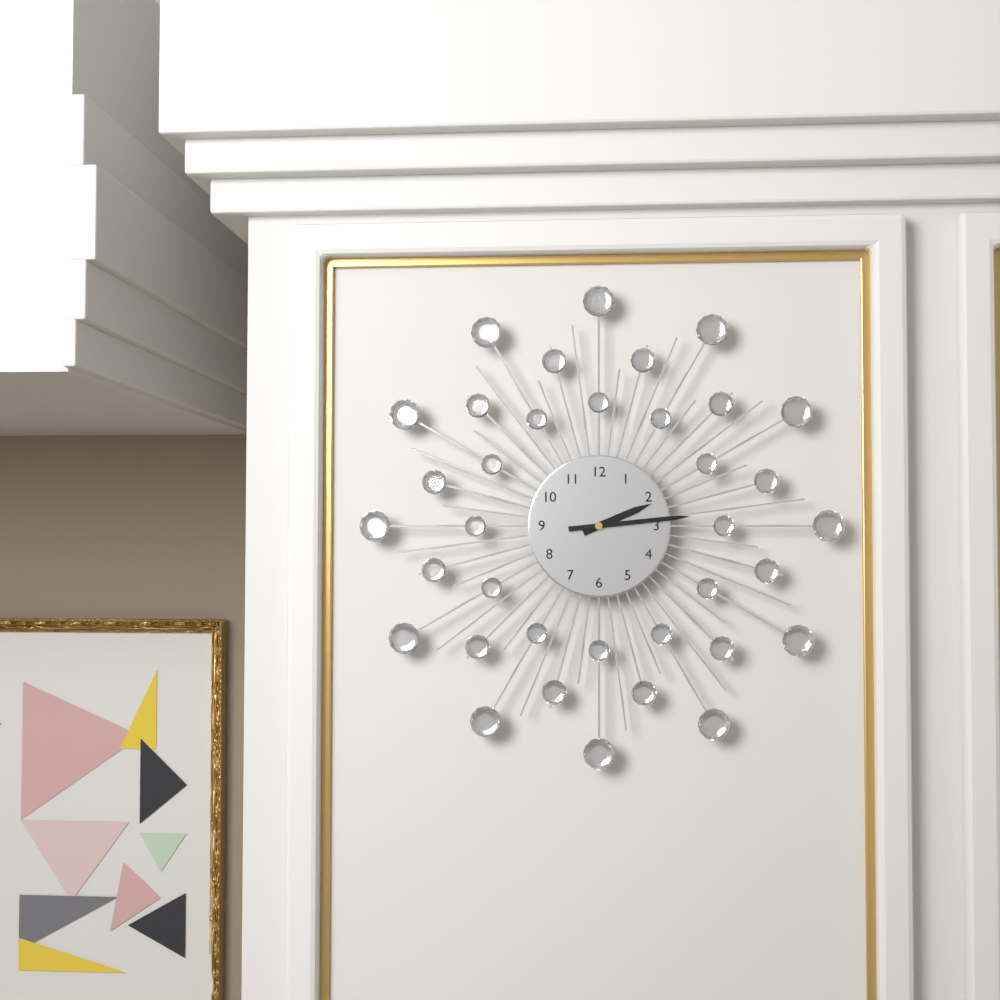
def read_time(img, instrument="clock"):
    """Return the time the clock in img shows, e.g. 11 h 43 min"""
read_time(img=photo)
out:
2 h 14 min
